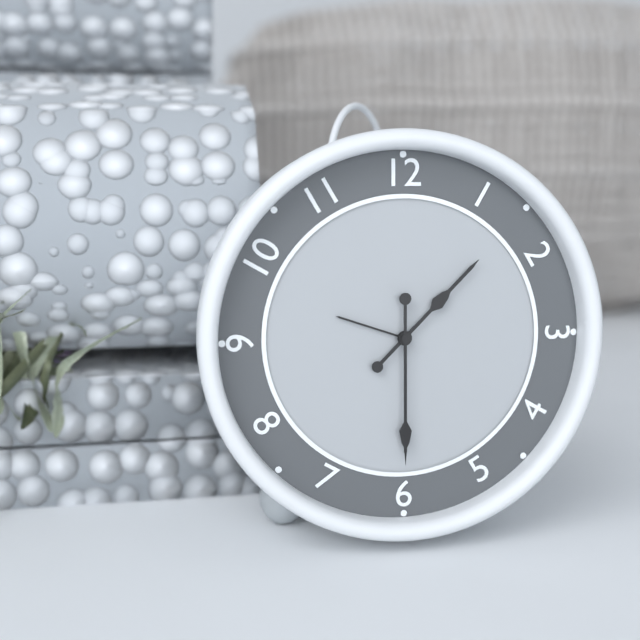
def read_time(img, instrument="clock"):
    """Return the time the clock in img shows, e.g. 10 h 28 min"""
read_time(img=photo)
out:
1 h 30 min
